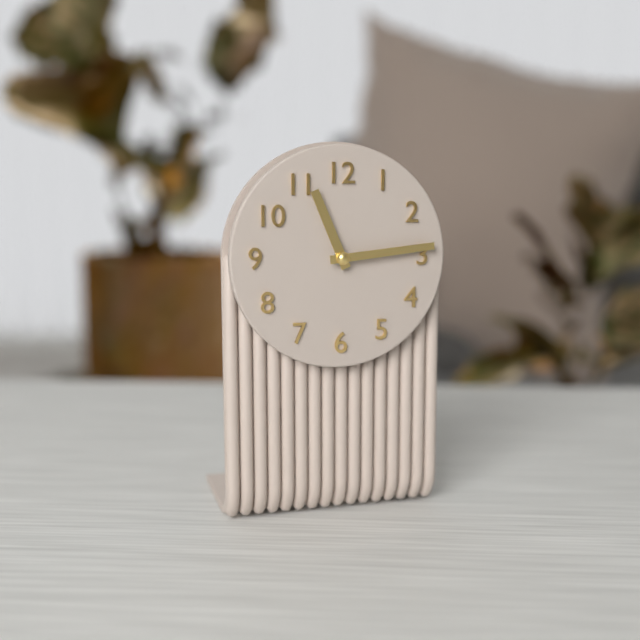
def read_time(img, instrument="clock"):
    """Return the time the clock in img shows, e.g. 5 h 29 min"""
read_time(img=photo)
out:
11 h 14 min
